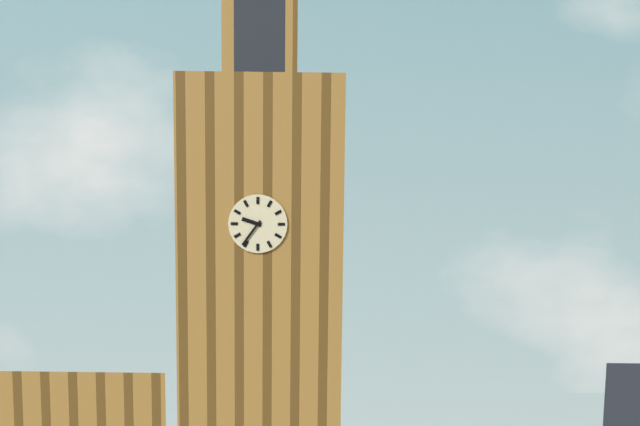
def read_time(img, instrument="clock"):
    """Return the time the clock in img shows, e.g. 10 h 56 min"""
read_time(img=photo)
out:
9 h 36 min
